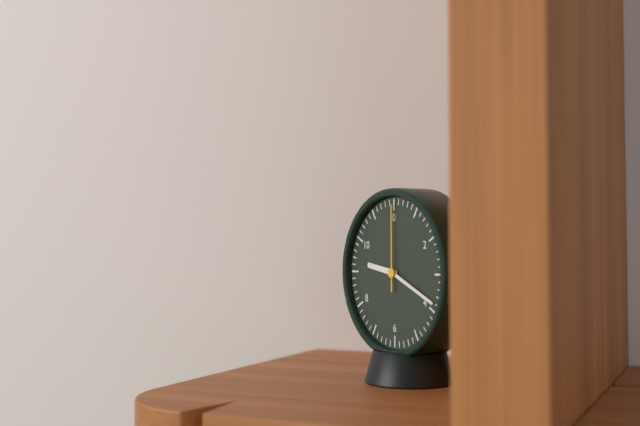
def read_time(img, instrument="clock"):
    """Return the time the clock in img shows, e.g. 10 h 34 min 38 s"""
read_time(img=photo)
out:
9 h 19 min 00 s
